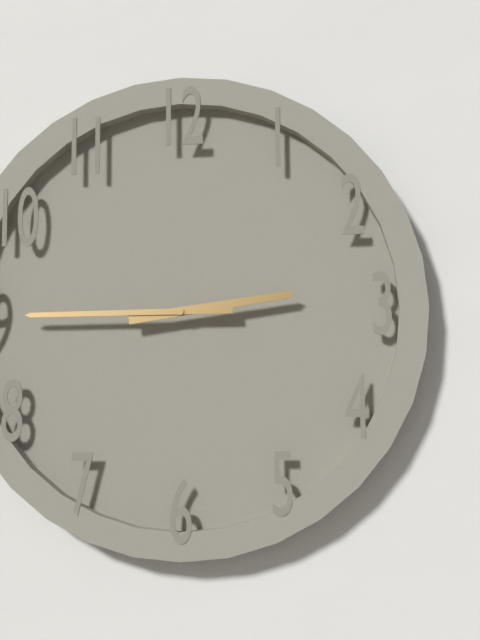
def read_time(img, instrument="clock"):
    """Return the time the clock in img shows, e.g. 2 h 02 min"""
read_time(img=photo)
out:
2 h 45 min
